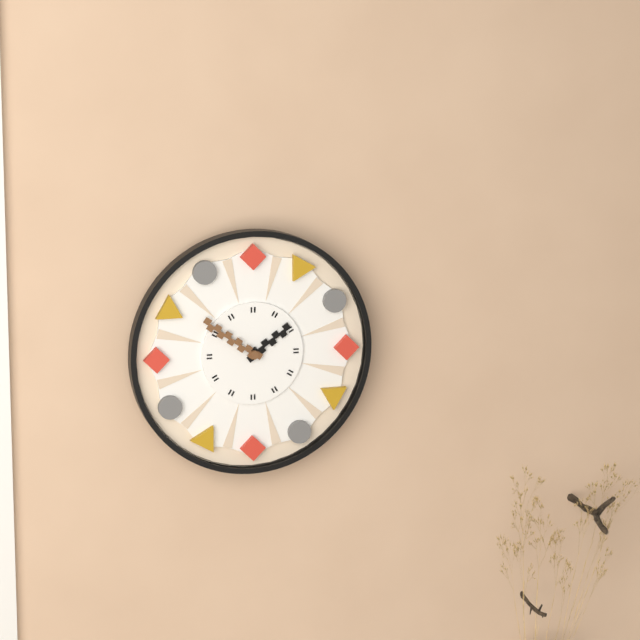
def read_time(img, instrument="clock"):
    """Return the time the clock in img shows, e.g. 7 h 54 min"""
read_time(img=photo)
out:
1 h 51 min
